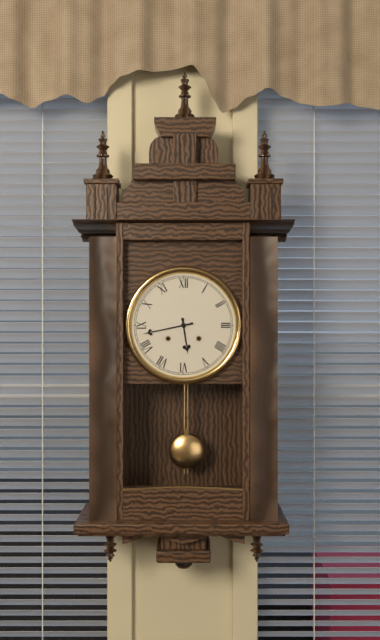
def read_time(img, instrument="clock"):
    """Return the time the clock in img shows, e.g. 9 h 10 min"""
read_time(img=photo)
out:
5 h 43 min
